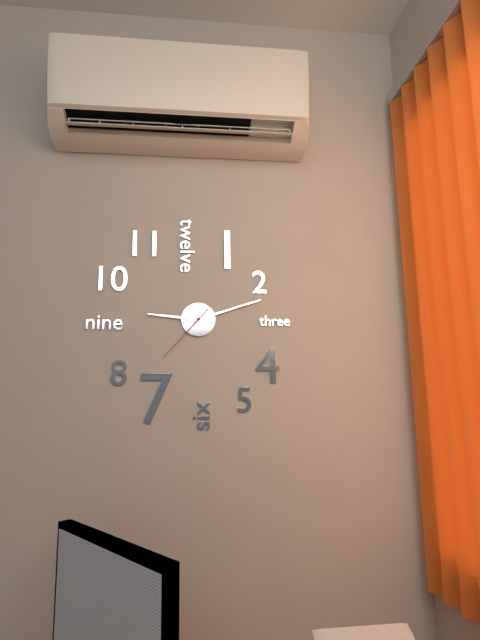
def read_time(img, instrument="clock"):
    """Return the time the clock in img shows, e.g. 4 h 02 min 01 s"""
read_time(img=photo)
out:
9 h 12 min 37 s
